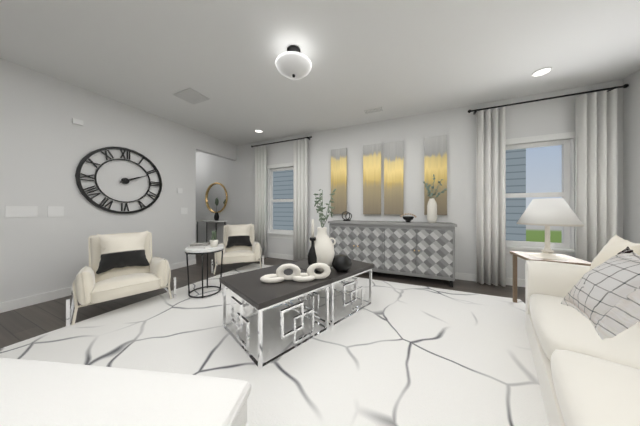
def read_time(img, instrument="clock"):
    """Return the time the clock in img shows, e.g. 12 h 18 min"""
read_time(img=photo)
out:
2 h 11 min
